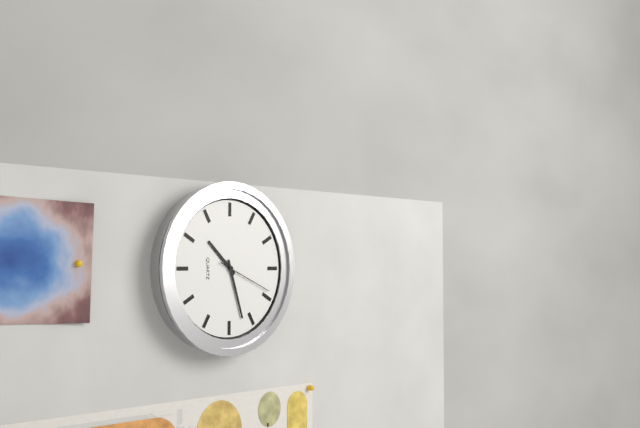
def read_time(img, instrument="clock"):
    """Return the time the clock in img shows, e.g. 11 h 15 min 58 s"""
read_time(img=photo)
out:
10 h 27 min 19 s
